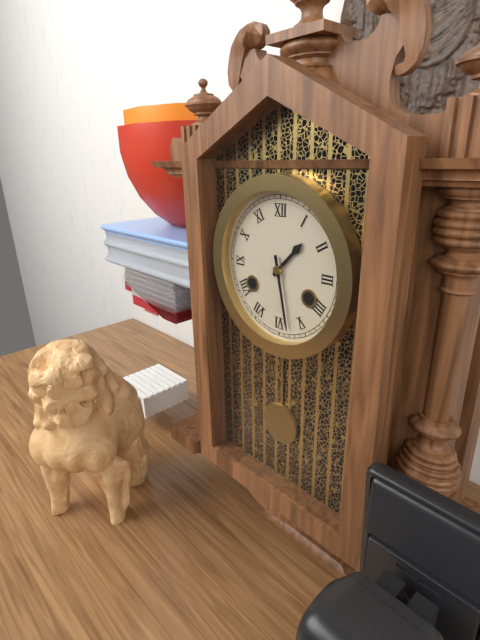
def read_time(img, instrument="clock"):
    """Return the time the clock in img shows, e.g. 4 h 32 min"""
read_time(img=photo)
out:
1 h 28 min
